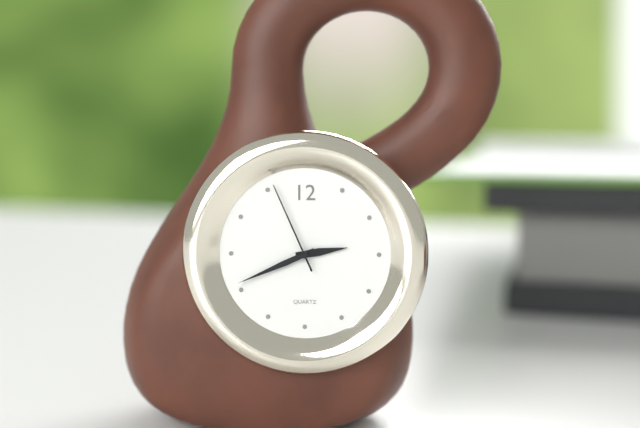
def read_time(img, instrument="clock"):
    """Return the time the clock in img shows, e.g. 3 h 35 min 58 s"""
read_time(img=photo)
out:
2 h 41 min 56 s
